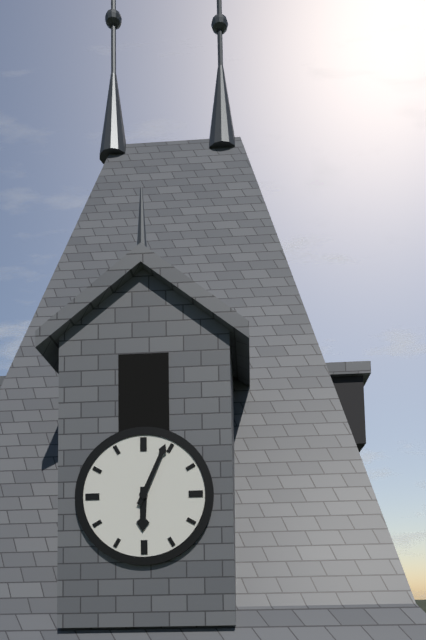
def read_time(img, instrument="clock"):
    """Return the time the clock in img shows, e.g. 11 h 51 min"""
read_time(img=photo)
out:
6 h 04 min
